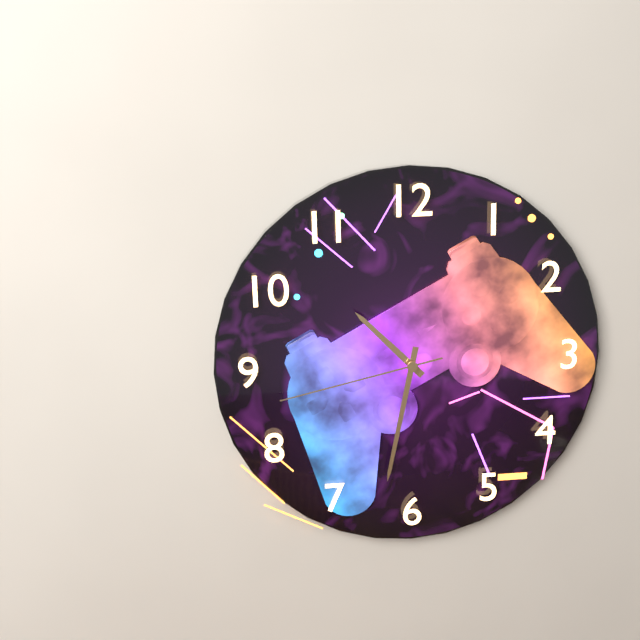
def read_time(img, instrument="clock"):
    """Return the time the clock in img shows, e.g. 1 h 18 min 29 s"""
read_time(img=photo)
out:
10 h 32 min 43 s
